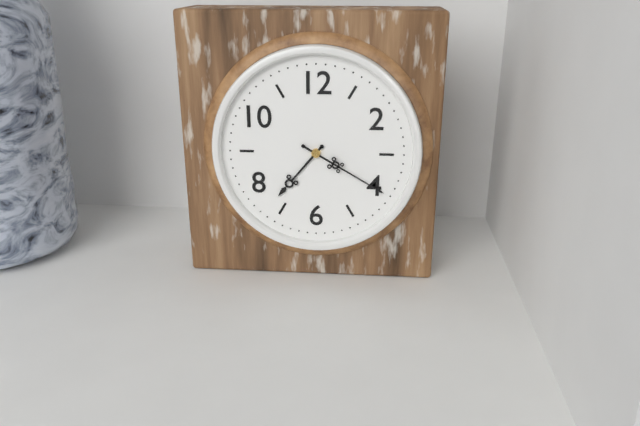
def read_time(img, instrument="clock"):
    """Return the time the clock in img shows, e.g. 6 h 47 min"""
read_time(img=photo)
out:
7 h 20 min
